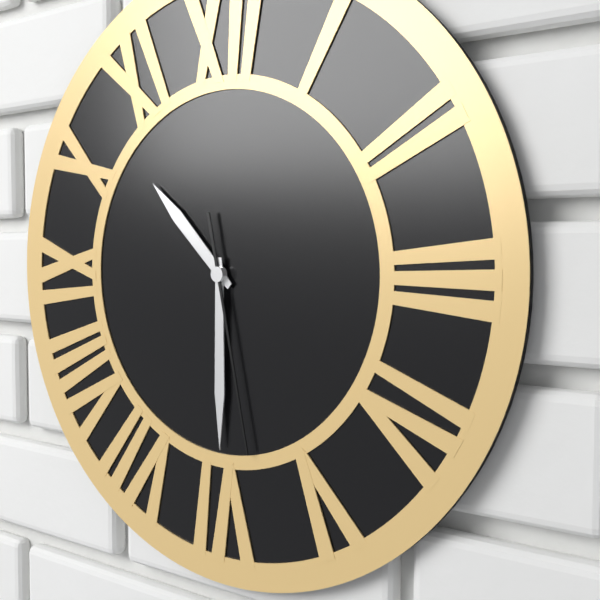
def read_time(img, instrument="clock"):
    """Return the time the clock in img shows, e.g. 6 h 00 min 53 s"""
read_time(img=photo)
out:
10 h 30 min 28 s
